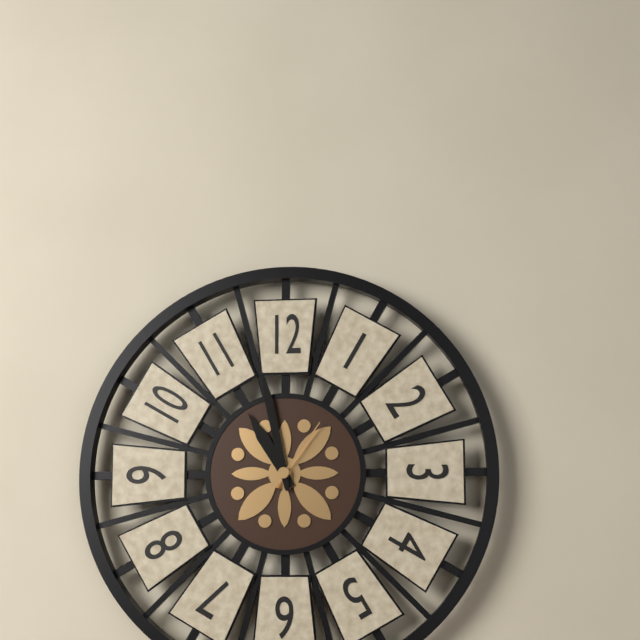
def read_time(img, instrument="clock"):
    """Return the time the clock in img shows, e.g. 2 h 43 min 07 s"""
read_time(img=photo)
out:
10 h 58 min 06 s
